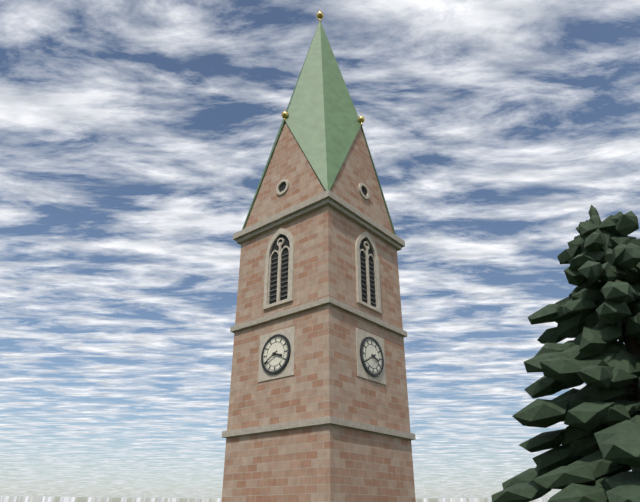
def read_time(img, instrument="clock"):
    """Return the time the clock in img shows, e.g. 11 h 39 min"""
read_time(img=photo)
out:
3 h 40 min
